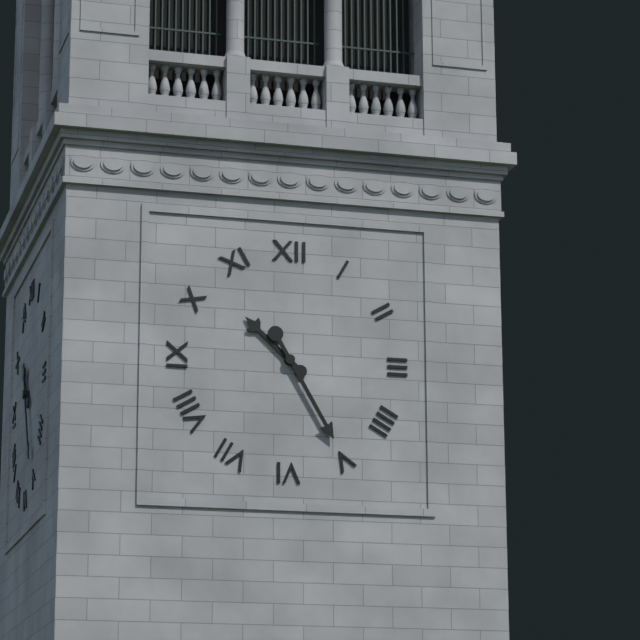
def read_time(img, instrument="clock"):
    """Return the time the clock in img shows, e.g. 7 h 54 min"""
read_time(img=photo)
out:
10 h 25 min
